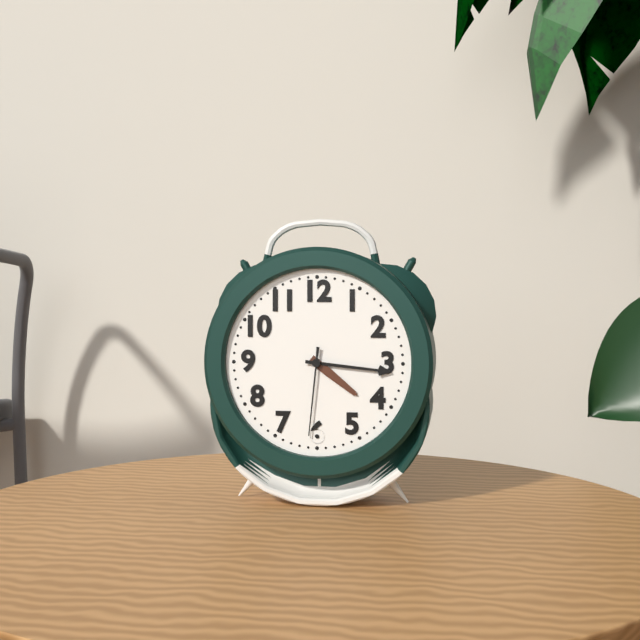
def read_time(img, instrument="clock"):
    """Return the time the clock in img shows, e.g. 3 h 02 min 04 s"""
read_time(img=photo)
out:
4 h 16 min 31 s
